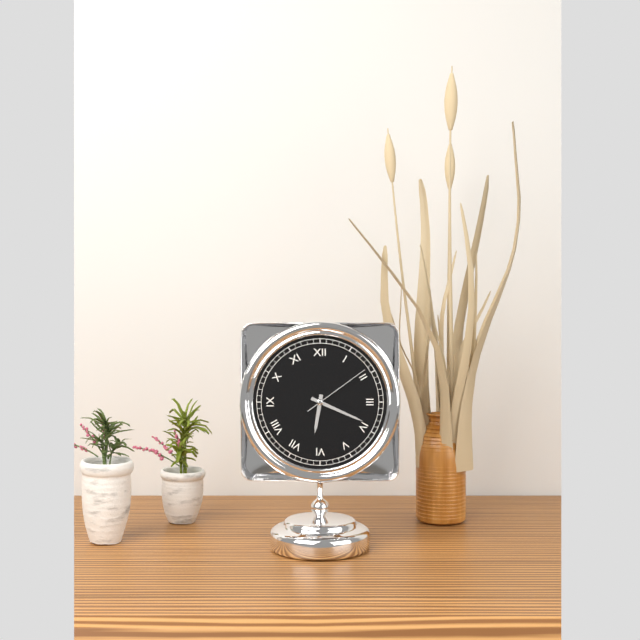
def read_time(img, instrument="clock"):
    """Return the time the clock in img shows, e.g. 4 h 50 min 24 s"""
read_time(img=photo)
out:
6 h 19 min 09 s
